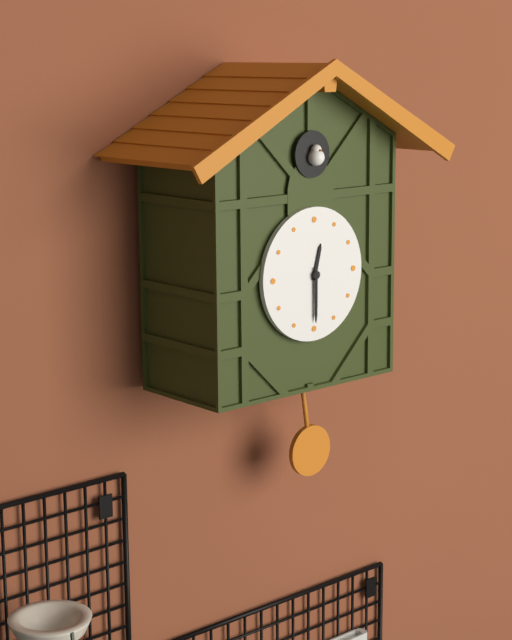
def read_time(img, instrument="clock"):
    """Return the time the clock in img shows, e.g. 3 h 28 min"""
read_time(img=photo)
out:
12 h 30 min
